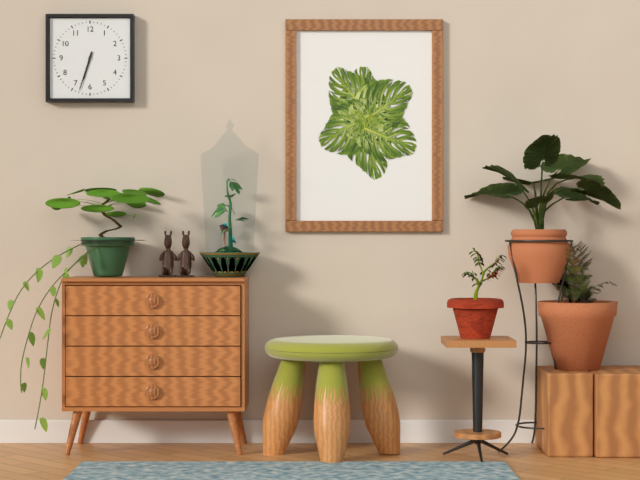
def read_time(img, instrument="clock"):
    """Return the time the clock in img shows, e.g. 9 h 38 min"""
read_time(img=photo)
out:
6 h 33 min
